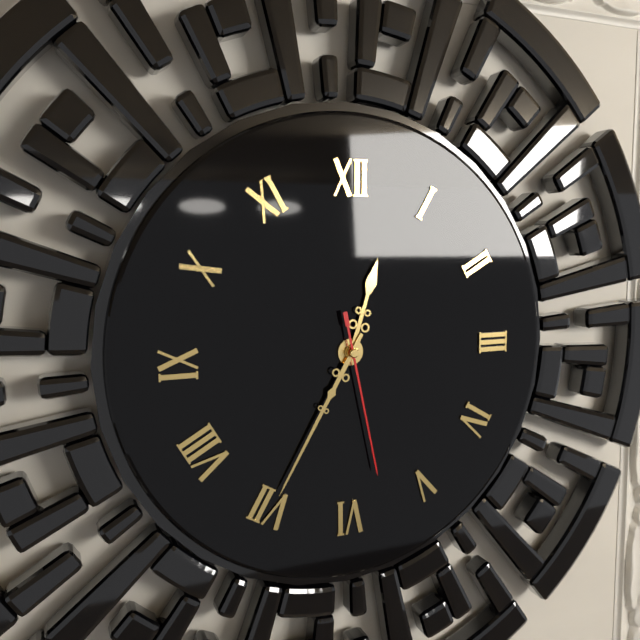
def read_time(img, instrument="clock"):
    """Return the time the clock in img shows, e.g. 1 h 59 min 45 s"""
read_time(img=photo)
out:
12 h 35 min 28 s
